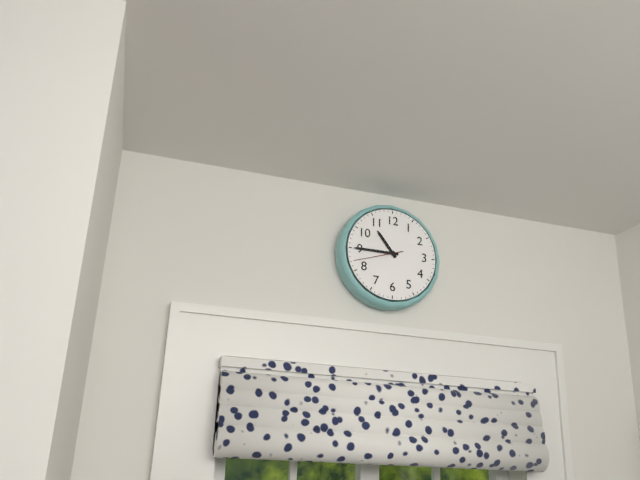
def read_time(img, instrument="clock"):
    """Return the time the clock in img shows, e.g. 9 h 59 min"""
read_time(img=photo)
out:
10 h 45 min
